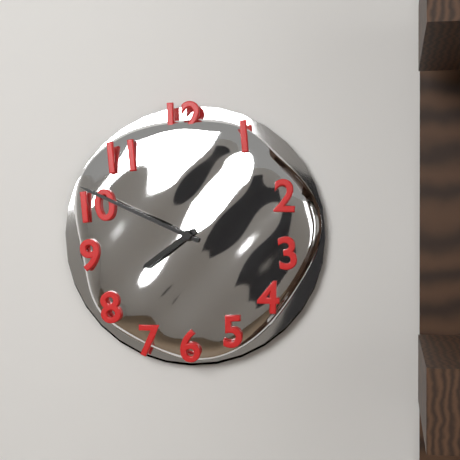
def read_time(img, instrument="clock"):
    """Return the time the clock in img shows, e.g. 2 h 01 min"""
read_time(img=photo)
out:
7 h 49 min
